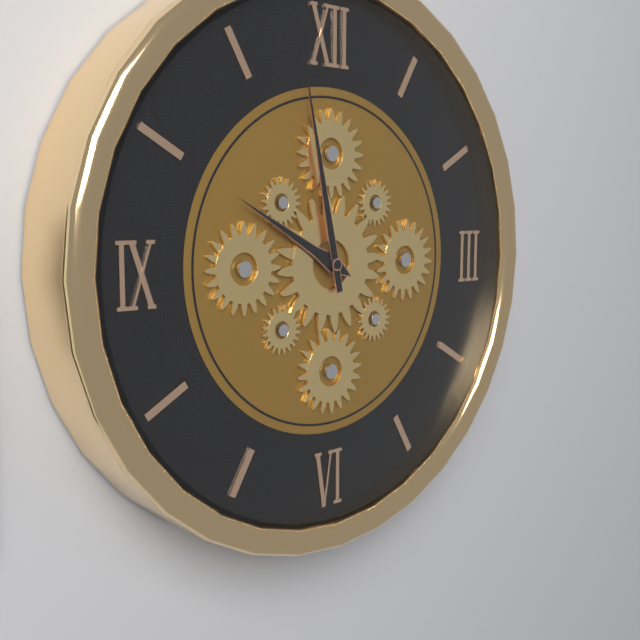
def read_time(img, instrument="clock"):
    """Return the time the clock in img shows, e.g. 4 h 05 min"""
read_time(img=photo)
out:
9 h 58 min
